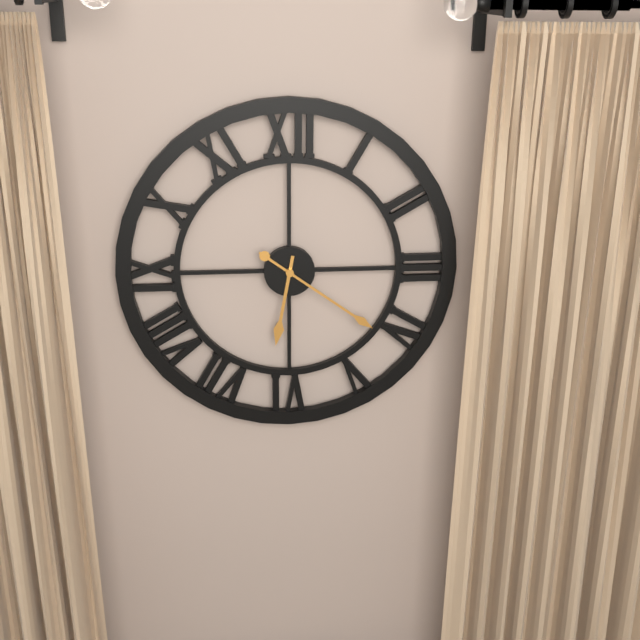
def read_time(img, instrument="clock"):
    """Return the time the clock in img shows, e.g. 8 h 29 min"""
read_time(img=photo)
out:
6 h 21 min
